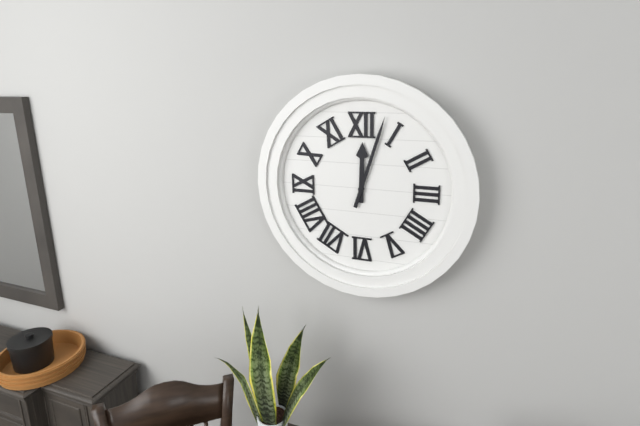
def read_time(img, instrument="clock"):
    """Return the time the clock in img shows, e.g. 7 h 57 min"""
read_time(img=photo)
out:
12 h 03 min
